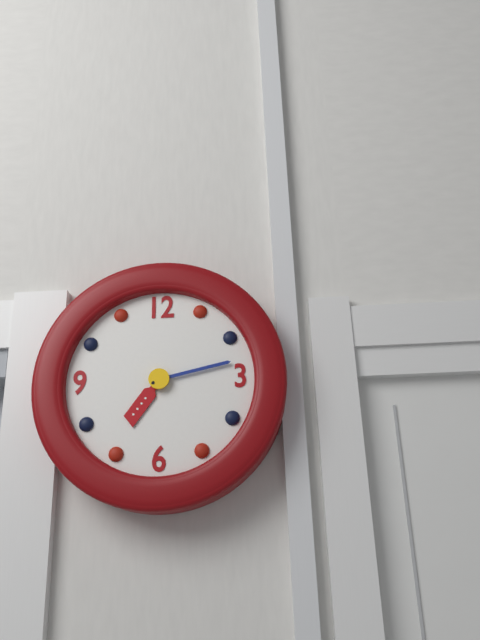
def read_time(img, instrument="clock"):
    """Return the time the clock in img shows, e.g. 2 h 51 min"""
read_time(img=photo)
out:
7 h 13 min
